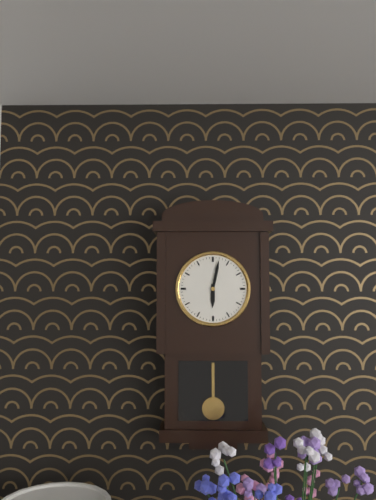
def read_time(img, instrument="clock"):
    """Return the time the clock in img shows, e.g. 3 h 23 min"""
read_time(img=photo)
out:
6 h 02 min
